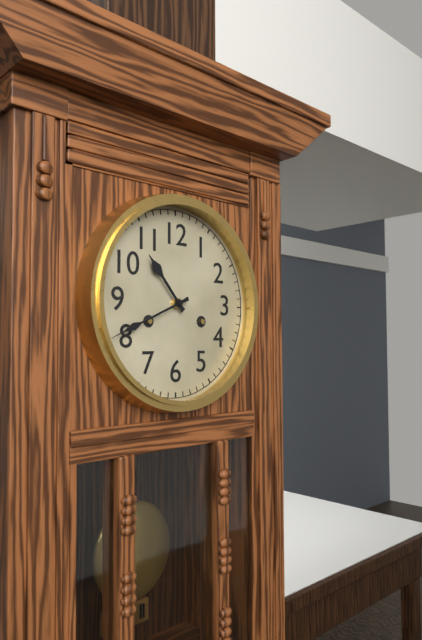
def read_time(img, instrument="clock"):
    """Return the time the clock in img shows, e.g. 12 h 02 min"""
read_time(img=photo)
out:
10 h 41 min
